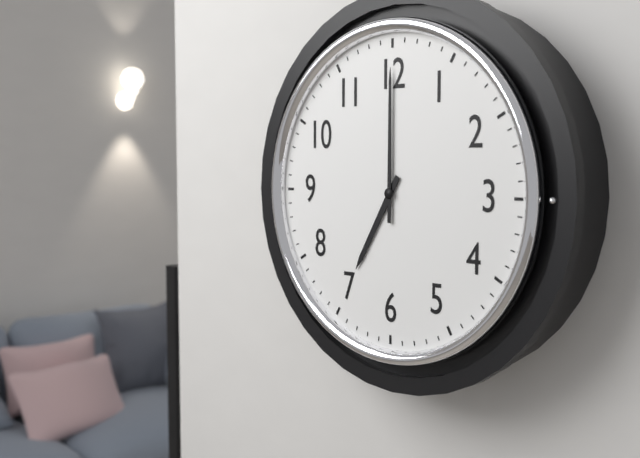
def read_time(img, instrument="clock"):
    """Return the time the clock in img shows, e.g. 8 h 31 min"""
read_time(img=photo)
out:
7 h 00 min
